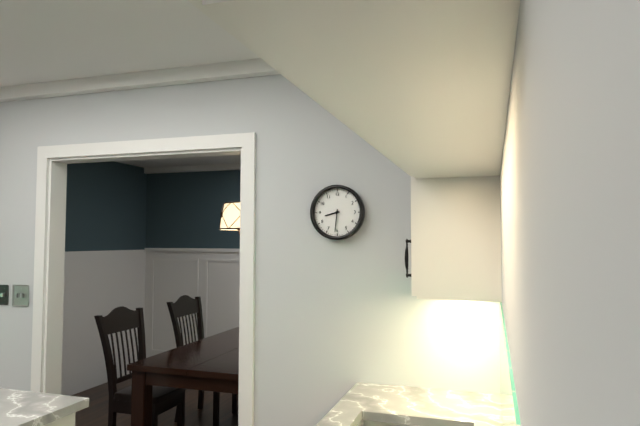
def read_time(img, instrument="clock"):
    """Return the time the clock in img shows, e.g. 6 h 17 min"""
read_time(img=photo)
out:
8 h 31 min
